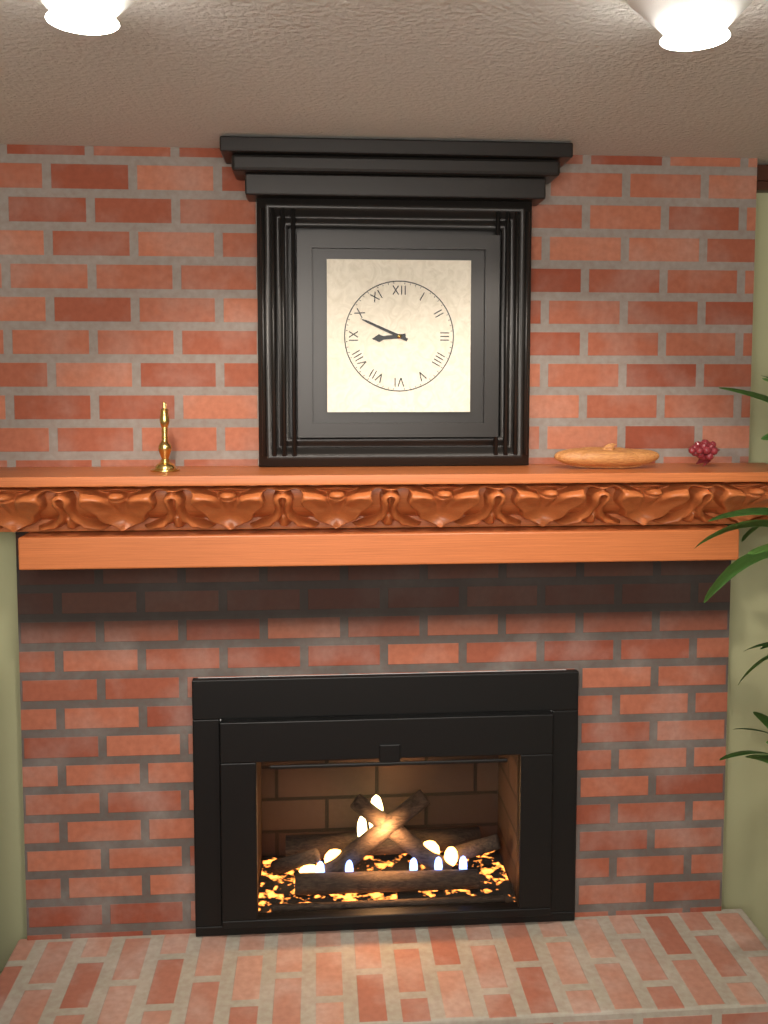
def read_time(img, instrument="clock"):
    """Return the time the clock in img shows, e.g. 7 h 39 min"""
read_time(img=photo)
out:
8 h 49 min
